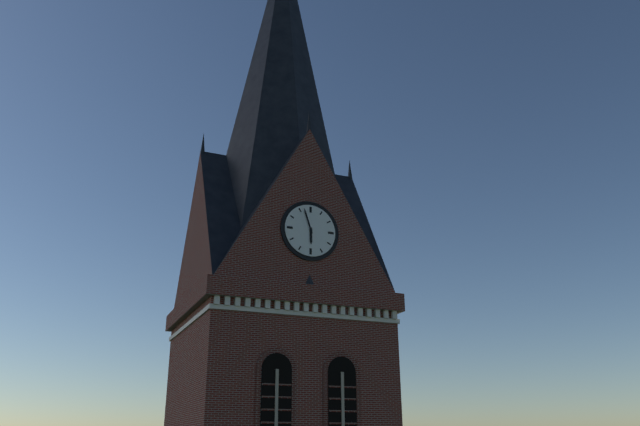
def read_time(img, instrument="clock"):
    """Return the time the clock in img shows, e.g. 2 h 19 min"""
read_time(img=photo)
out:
5 h 57 min
